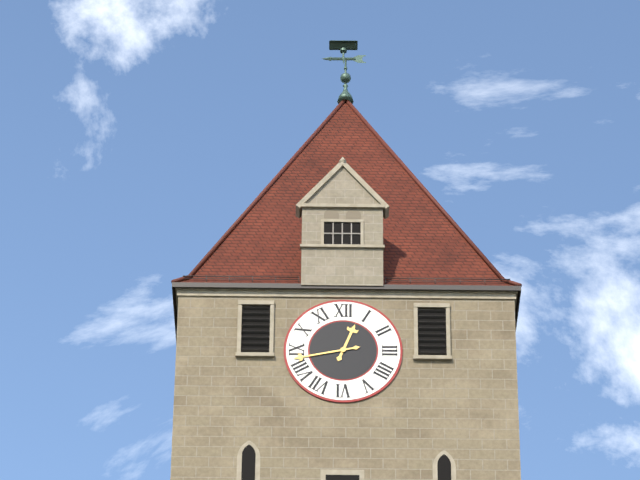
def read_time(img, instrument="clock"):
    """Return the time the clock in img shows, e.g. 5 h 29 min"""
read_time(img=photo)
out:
12 h 43 min
